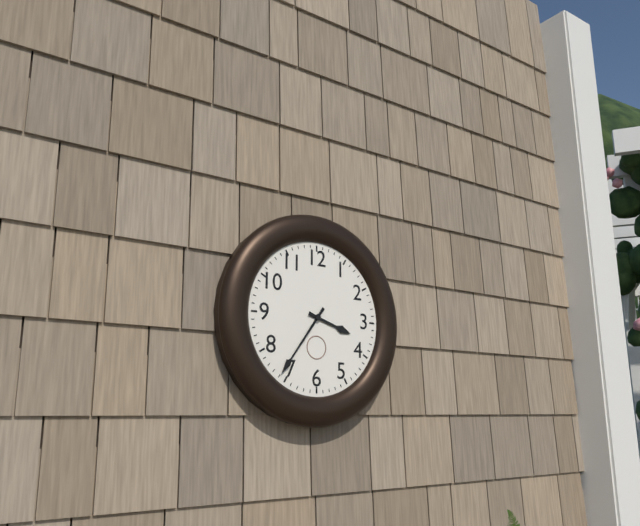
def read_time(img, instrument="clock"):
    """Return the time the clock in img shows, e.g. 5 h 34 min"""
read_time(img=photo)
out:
3 h 36 min
